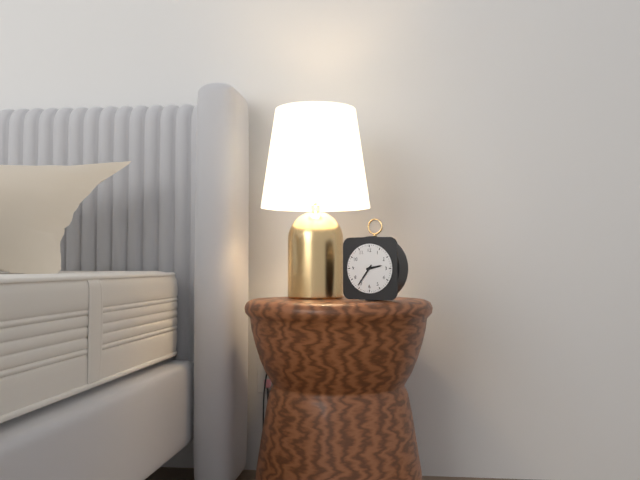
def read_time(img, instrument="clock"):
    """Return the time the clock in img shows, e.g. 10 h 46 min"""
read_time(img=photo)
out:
2 h 36 min
